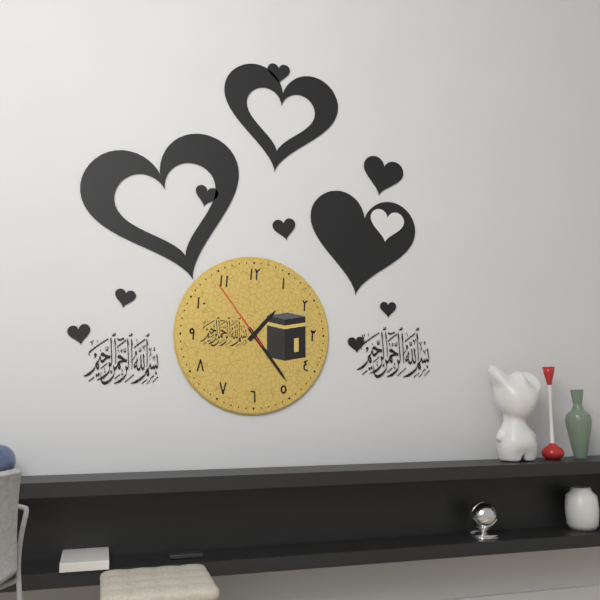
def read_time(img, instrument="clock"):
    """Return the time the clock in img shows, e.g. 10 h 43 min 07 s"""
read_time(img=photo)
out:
1 h 24 min 54 s
